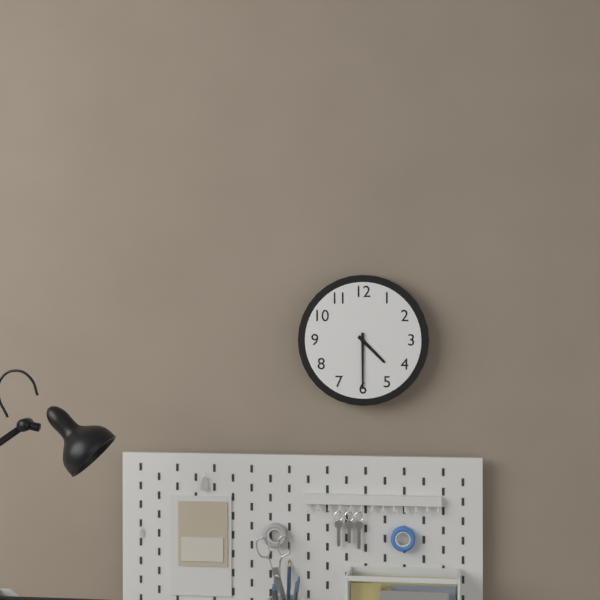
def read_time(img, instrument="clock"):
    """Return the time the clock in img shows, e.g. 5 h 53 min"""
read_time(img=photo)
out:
4 h 30 min
